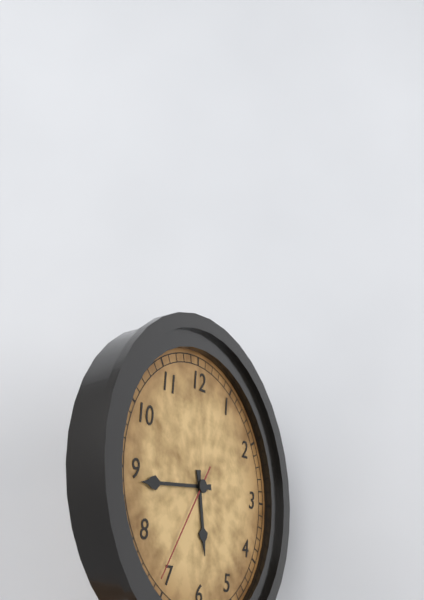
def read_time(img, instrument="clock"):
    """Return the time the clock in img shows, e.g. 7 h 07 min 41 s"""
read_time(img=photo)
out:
5 h 44 min 36 s
